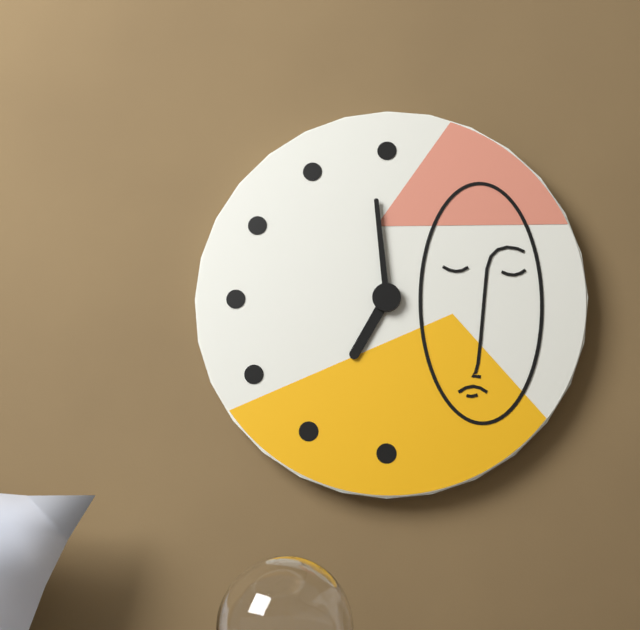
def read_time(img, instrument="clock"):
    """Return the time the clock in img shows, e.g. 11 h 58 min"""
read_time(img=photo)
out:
6 h 59 min
